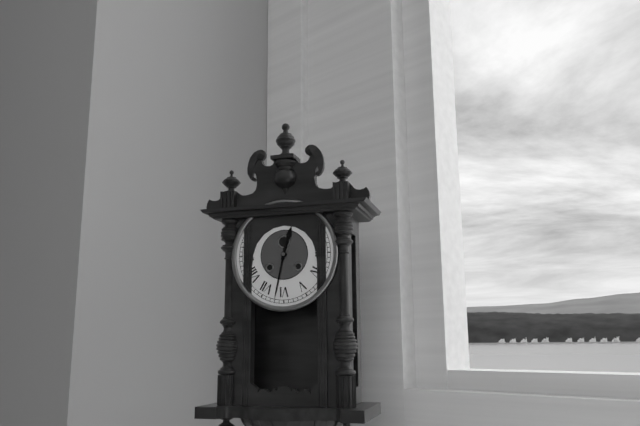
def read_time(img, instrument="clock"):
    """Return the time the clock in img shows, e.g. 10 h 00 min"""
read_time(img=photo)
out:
12 h 32 min
